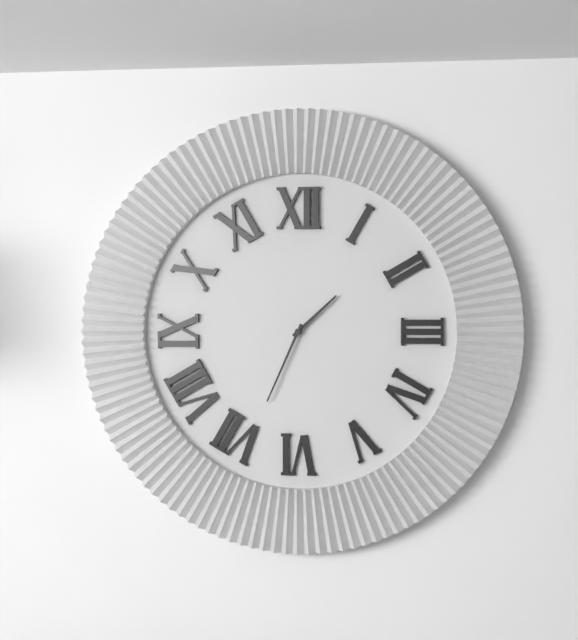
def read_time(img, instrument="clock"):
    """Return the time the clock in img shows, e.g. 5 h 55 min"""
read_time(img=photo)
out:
1 h 34 min
